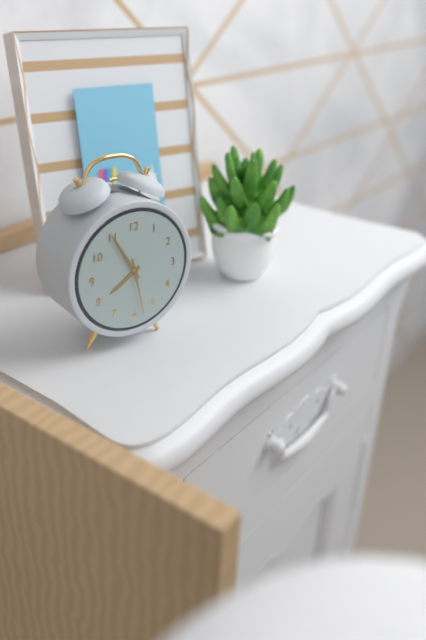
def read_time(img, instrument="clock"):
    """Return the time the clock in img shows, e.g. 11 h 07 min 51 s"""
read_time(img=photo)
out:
7 h 55 min 28 s
